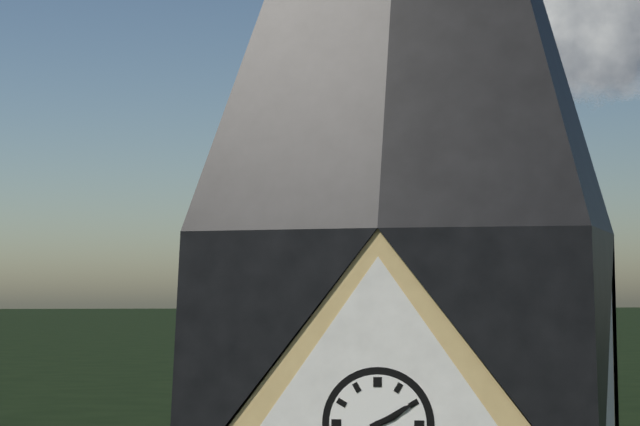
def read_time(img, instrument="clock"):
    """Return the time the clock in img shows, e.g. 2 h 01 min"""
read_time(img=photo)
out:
2 h 10 min
